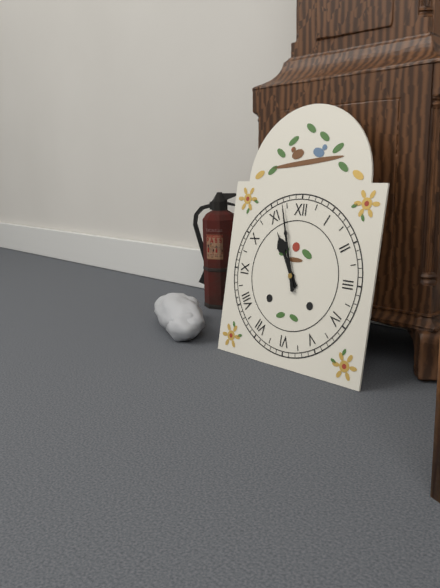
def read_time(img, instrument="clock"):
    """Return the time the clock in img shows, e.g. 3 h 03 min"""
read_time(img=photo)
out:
10 h 57 min
